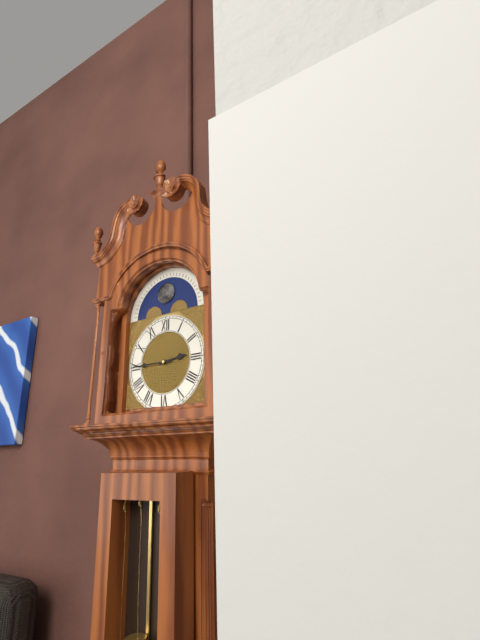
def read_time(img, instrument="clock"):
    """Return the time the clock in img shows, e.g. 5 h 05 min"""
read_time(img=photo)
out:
2 h 45 min
